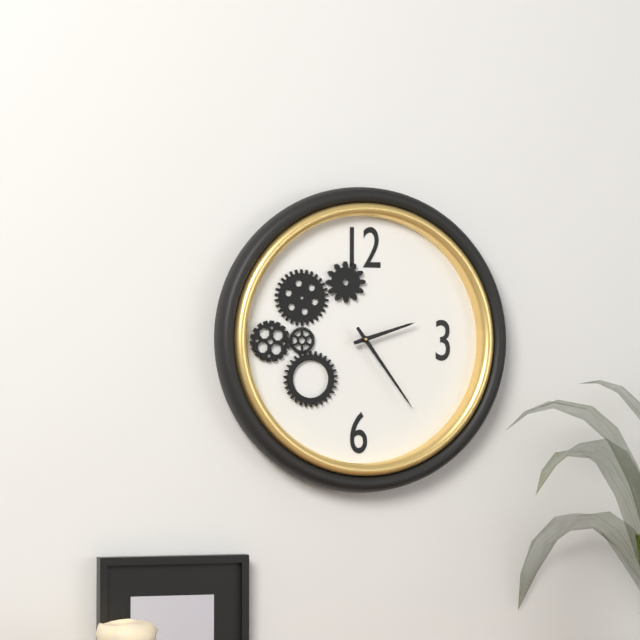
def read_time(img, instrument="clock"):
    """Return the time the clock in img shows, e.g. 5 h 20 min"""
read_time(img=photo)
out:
2 h 24 min
